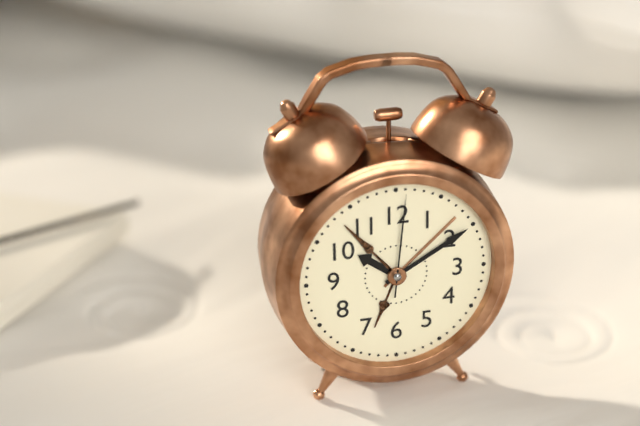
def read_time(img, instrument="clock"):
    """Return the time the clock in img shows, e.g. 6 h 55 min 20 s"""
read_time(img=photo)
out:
10 h 10 min 01 s
